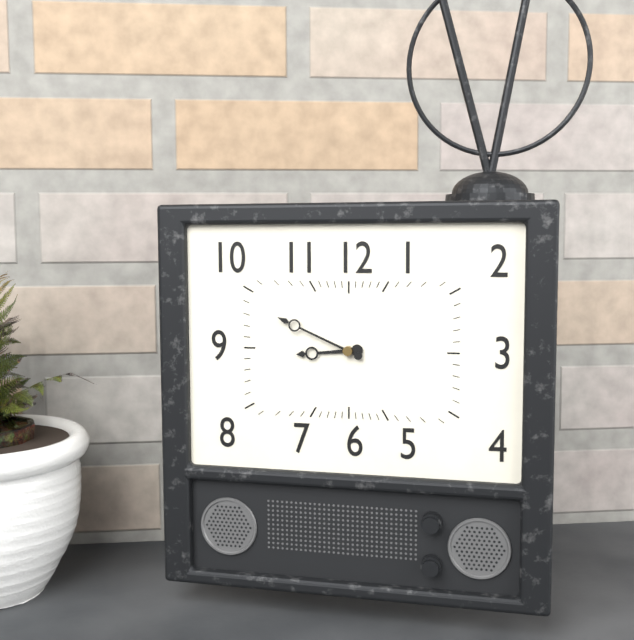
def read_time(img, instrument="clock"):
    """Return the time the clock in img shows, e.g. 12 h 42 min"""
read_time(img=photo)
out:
8 h 49 min
